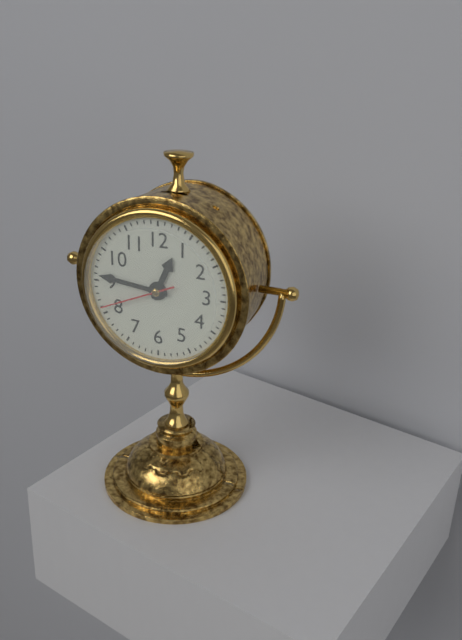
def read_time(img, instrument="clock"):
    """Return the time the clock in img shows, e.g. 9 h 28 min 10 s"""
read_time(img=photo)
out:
12 h 46 min 41 s
